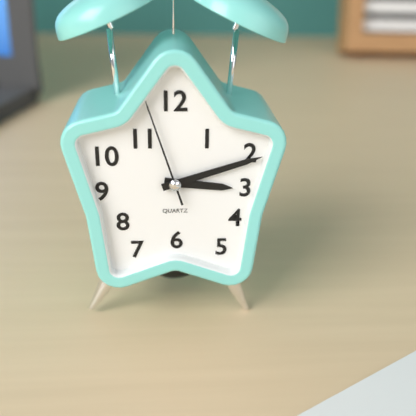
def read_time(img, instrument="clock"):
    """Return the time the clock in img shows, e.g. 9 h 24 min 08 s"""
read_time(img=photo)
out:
3 h 12 min 57 s
